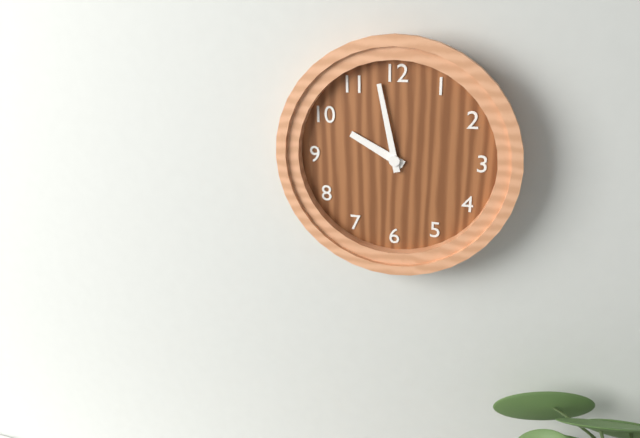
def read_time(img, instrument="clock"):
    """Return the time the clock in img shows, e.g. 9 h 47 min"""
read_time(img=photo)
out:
9 h 58 min
